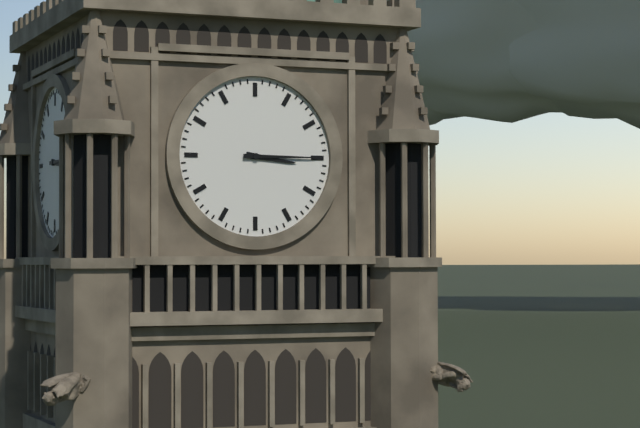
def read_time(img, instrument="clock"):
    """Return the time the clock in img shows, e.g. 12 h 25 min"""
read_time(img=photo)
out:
3 h 15 min
